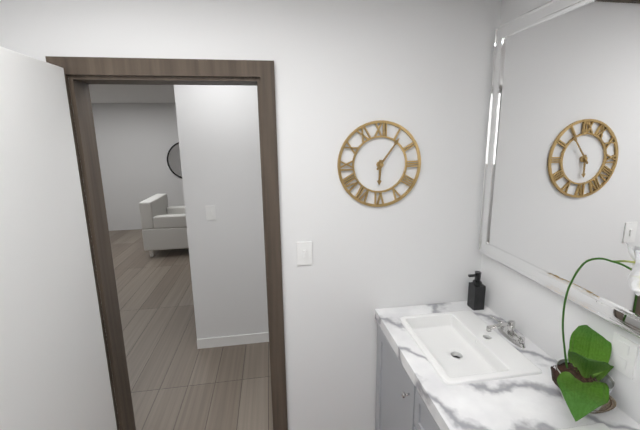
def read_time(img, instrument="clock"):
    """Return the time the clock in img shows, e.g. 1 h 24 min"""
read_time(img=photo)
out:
6 h 06 min
